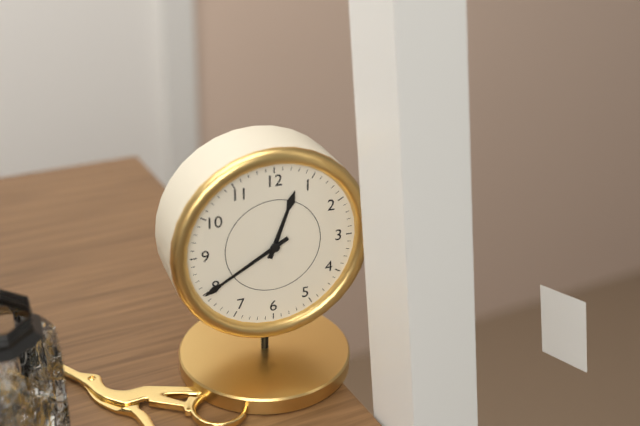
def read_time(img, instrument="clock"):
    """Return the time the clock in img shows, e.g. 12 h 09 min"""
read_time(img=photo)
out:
12 h 40 min
